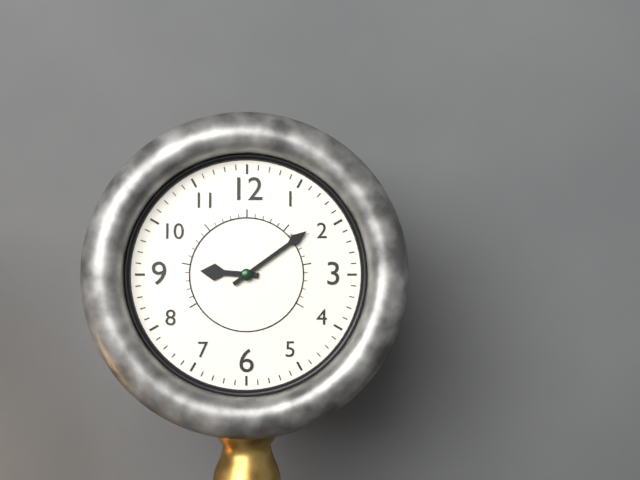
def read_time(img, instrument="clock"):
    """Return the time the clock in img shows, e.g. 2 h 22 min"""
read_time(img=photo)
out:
9 h 09 min
